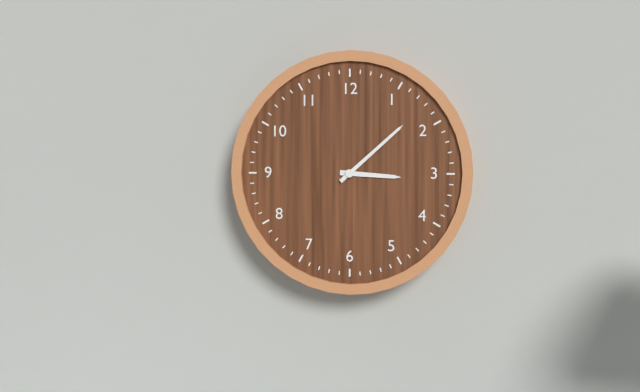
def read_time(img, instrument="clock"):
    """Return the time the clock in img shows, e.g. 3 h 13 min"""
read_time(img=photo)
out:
3 h 08 min
